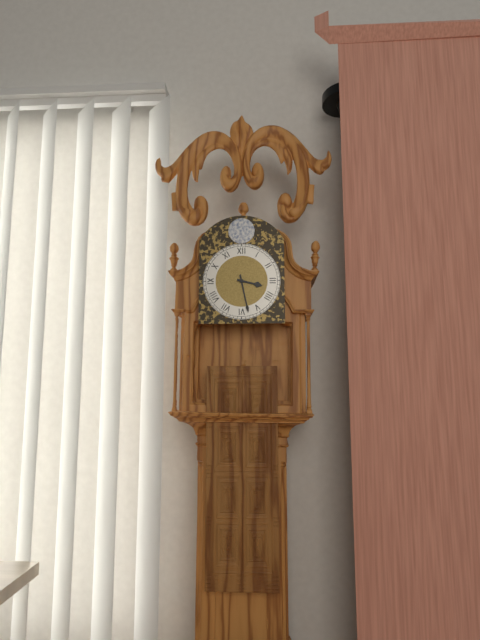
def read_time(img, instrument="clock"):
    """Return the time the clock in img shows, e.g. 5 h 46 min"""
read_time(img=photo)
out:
3 h 28 min
